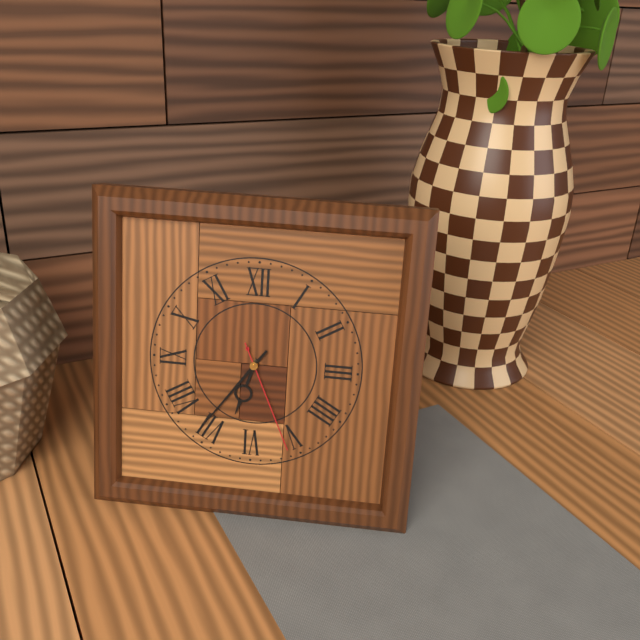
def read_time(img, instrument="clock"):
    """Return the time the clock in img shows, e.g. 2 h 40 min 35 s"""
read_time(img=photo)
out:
6 h 36 min 26 s
